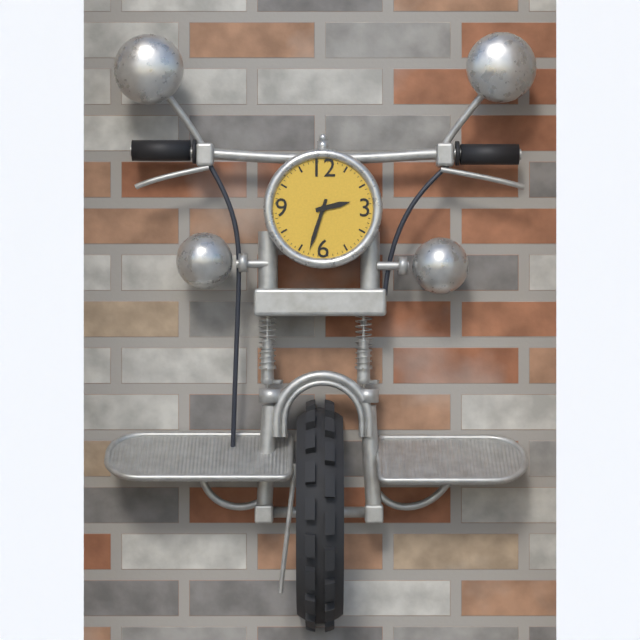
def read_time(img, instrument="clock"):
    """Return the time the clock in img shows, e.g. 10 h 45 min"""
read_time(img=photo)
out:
2 h 33 min
